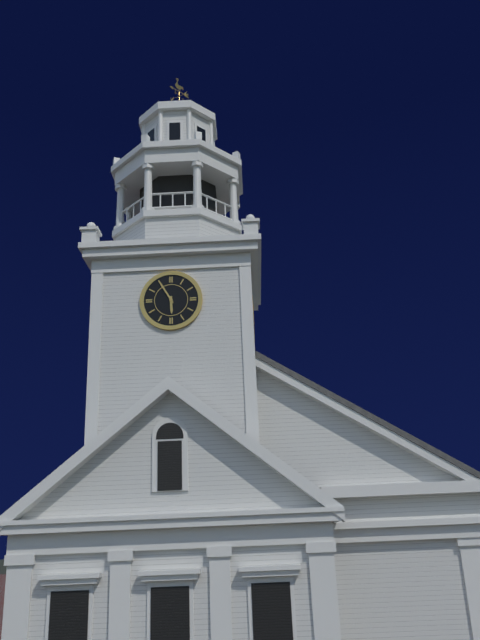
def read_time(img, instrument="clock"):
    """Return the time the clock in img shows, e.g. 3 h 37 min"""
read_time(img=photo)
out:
5 h 55 min
